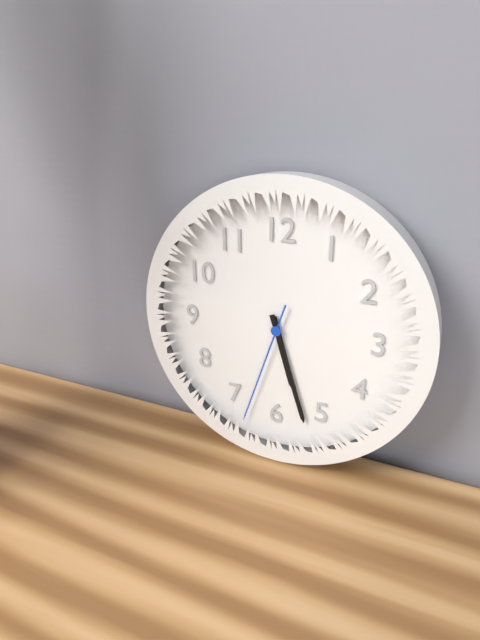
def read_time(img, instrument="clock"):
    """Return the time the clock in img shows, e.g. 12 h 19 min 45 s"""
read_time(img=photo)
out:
5 h 27 min 33 s
